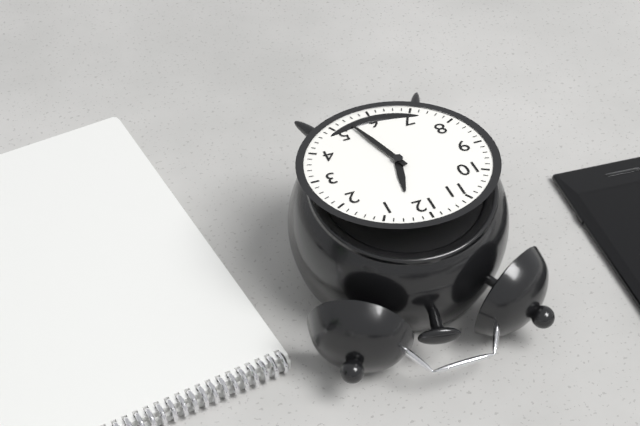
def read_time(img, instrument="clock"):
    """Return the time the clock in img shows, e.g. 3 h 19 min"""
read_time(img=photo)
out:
12 h 27 min
